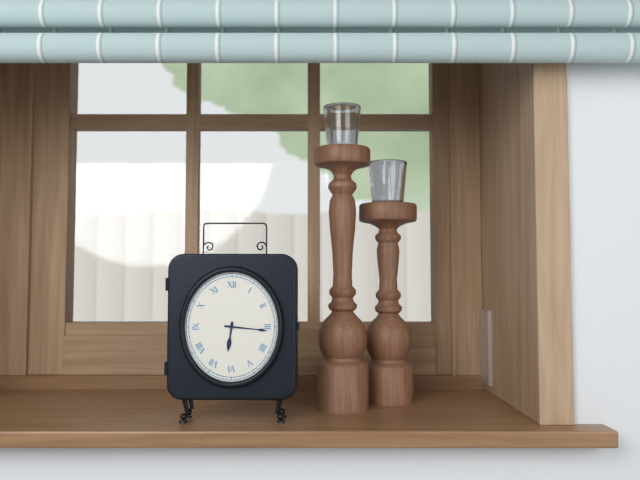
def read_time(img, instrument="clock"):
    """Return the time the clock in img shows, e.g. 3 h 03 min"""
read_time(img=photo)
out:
6 h 16 min
